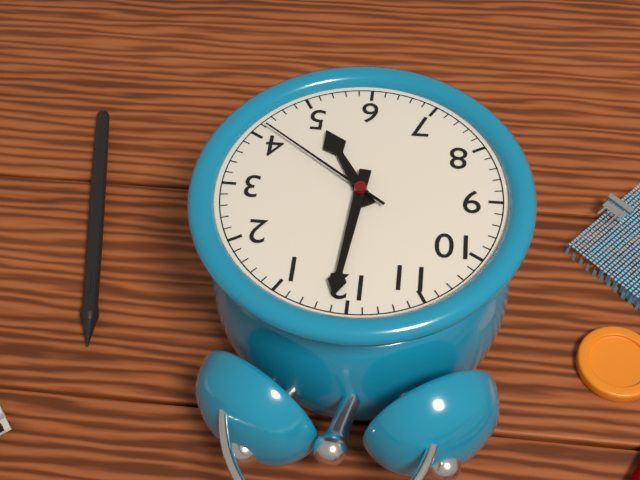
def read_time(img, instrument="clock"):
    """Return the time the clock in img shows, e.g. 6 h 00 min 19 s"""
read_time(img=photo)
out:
5 h 01 min 21 s
